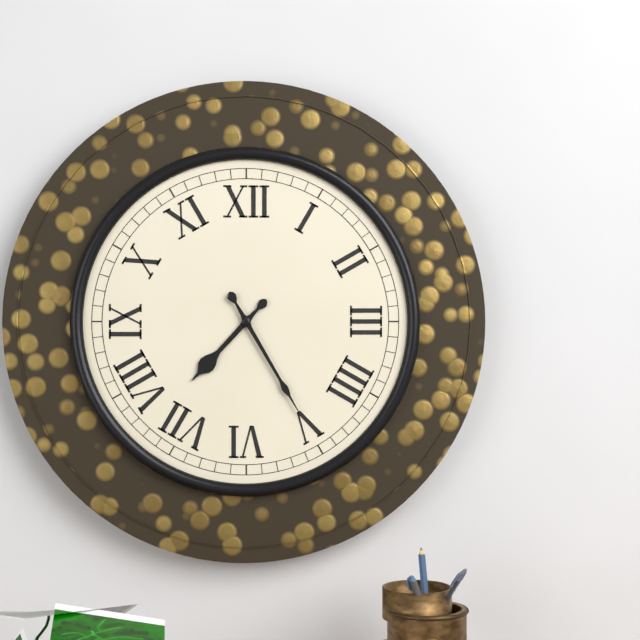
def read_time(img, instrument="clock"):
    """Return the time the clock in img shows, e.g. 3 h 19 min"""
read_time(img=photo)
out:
7 h 25 min
